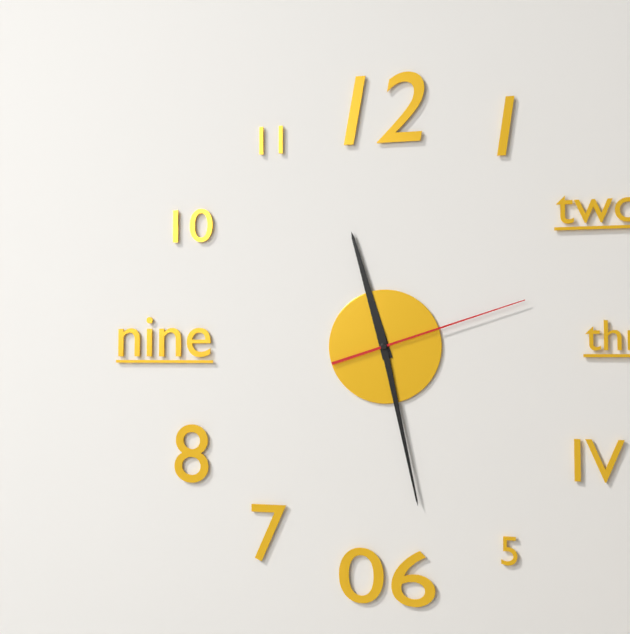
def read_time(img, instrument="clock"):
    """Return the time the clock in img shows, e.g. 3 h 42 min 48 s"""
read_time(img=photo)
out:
11 h 28 min 12 s
